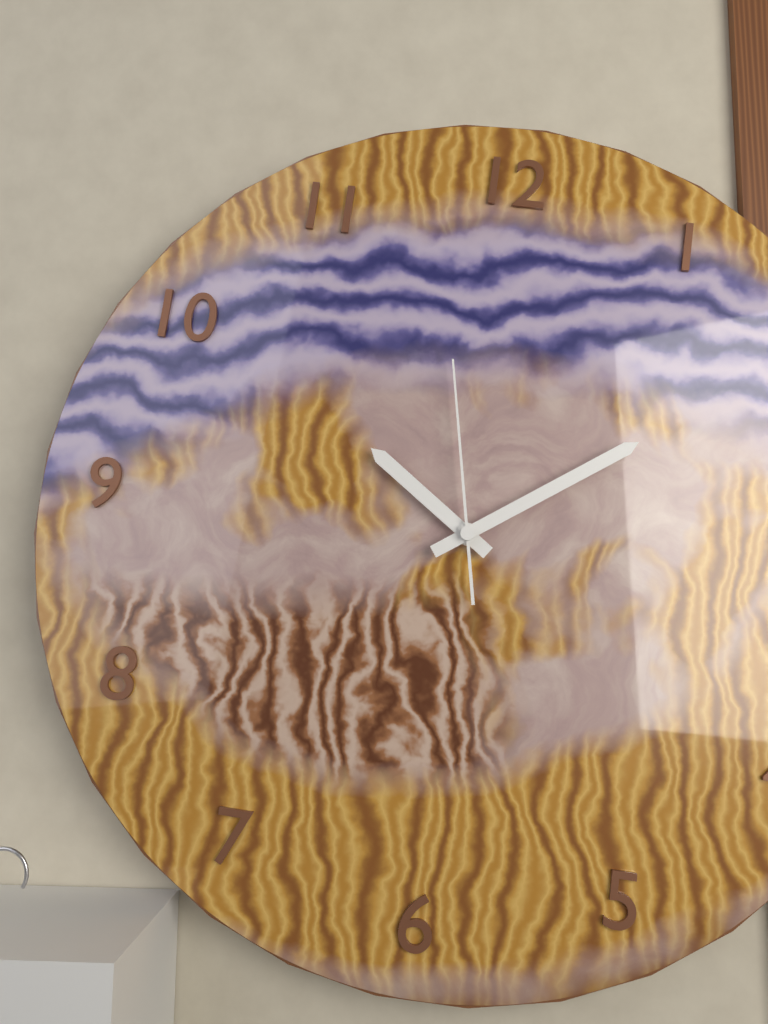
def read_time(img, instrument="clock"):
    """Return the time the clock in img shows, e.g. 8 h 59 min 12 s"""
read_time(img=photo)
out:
10 h 09 min 58 s
